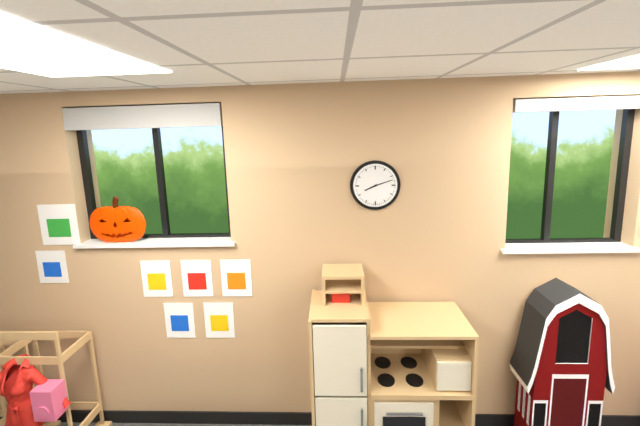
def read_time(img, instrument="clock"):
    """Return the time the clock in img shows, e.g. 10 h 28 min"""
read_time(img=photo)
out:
8 h 12 min
